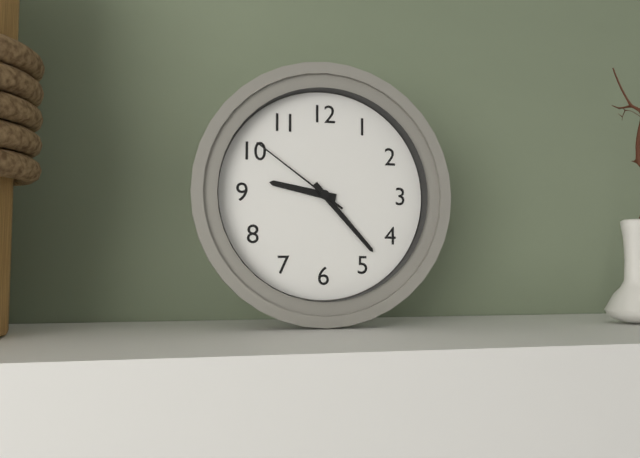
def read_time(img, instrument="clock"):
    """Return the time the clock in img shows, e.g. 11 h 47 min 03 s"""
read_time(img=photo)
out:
9 h 23 min 51 s
